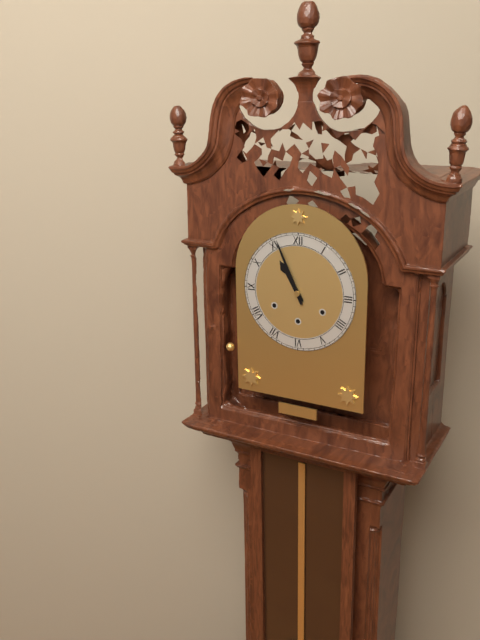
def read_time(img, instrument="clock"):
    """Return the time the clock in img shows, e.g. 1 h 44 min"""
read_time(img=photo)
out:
10 h 56 min
